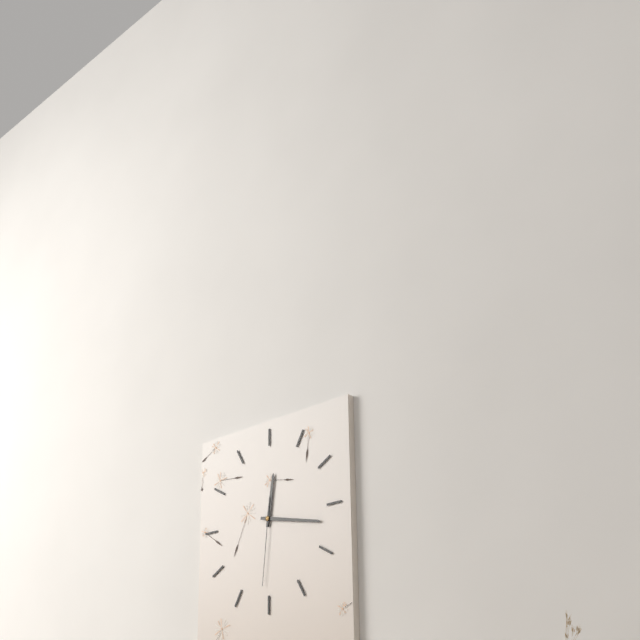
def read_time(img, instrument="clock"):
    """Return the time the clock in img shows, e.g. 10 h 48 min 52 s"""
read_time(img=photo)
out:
12 h 17 min 31 s
